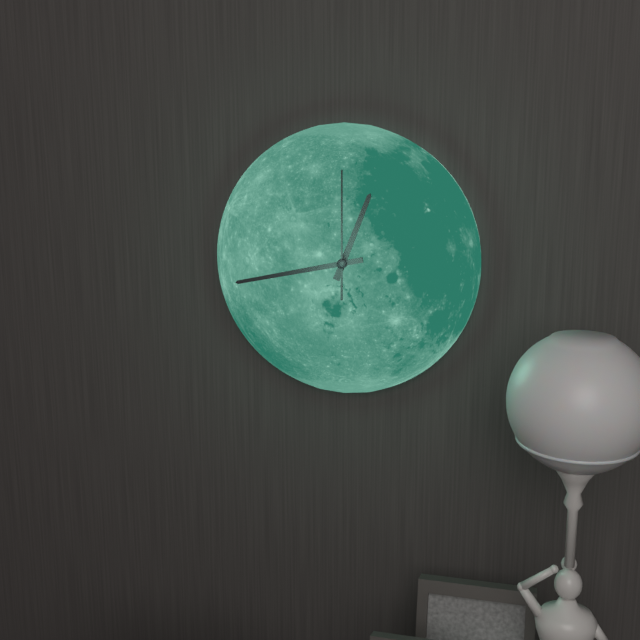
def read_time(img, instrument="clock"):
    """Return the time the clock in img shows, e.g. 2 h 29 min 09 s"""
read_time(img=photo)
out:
12 h 43 min 00 s
